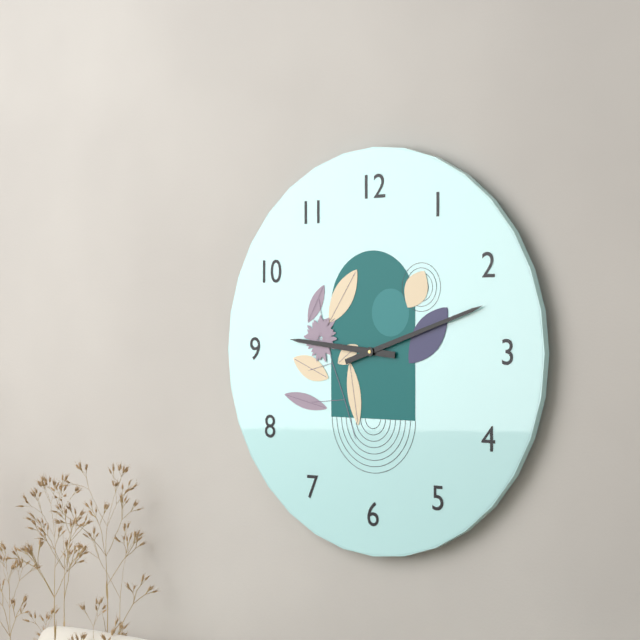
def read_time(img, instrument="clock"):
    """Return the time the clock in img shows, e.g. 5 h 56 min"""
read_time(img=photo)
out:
9 h 12 min
